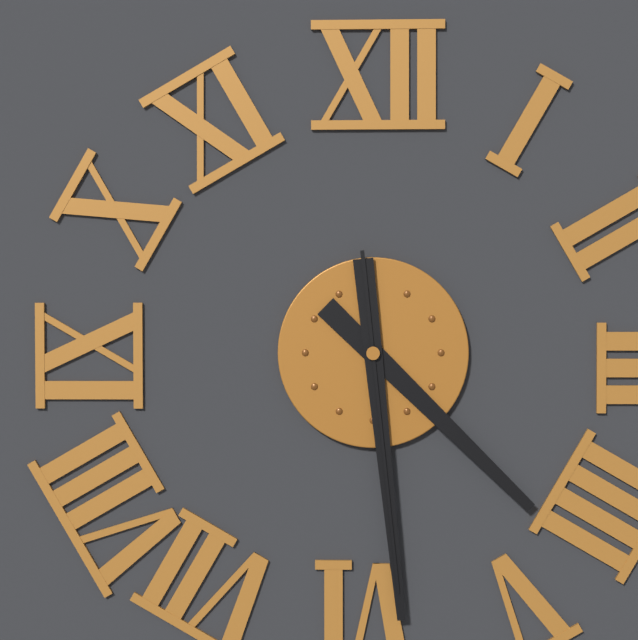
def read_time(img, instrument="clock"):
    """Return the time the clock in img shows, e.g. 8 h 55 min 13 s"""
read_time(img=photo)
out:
4 h 29 min 29 s
